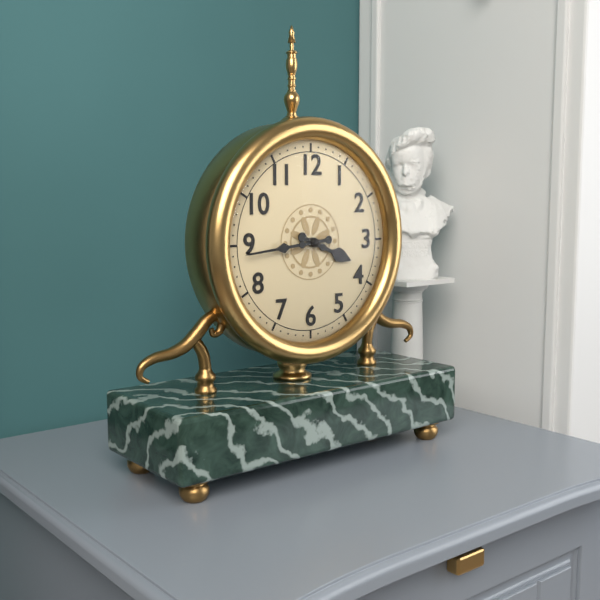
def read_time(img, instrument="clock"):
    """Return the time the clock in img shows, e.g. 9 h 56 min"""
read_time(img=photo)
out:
3 h 44 min
